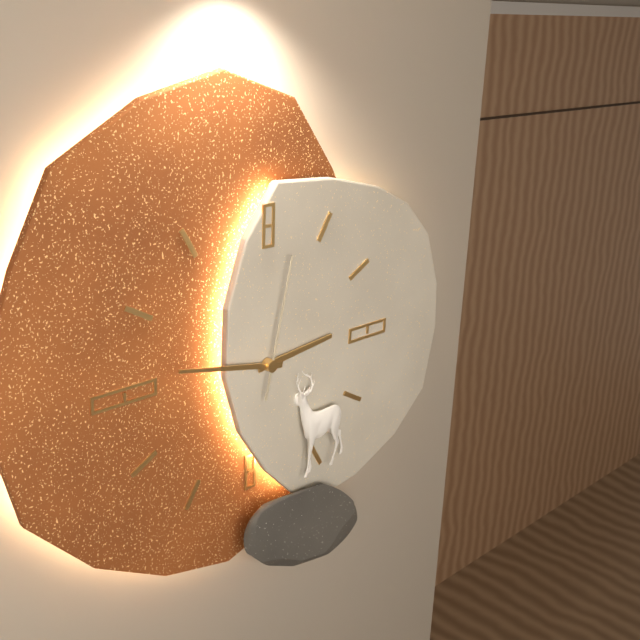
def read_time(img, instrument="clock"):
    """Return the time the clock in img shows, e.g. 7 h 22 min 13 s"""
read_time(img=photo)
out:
2 h 47 min 02 s
